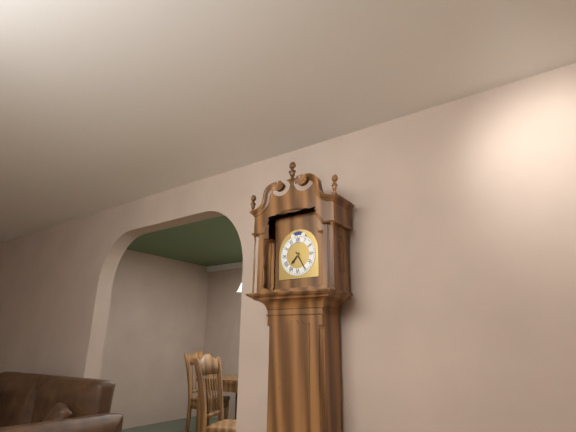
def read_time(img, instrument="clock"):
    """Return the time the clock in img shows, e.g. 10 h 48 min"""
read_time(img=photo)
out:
7 h 25 min
